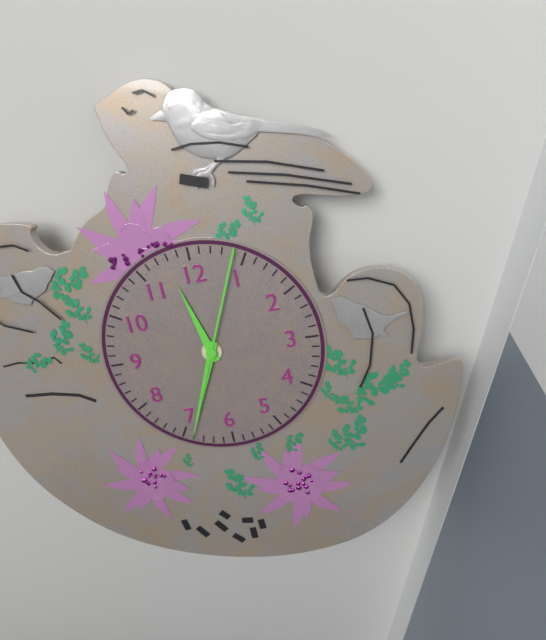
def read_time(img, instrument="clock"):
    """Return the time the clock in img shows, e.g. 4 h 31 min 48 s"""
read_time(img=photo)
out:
11 h 34 min 04 s
